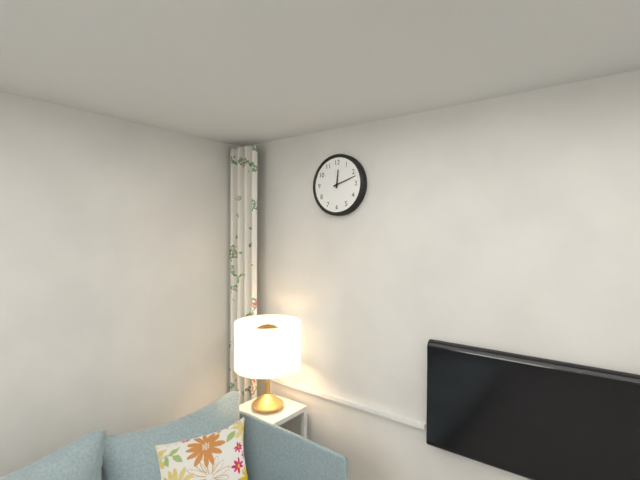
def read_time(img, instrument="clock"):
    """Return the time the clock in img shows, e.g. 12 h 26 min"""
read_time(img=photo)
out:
12 h 12 min
